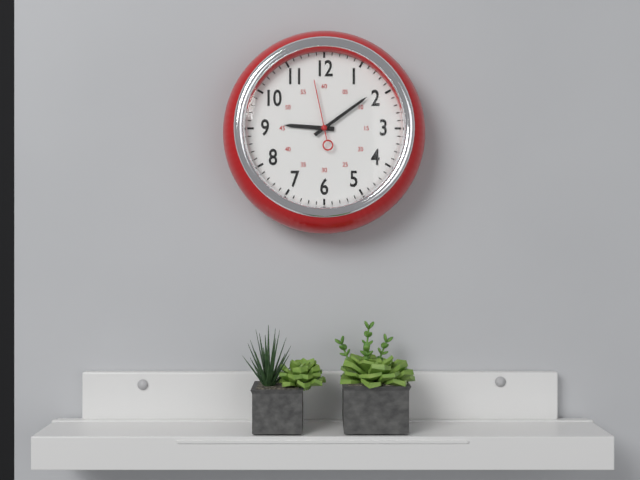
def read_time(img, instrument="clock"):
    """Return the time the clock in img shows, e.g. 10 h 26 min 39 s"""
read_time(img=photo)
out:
9 h 09 min 58 s
